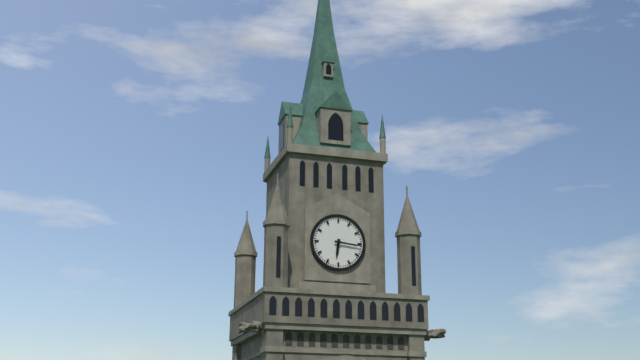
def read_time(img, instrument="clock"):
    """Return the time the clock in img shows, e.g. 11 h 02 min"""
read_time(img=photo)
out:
6 h 16 min
